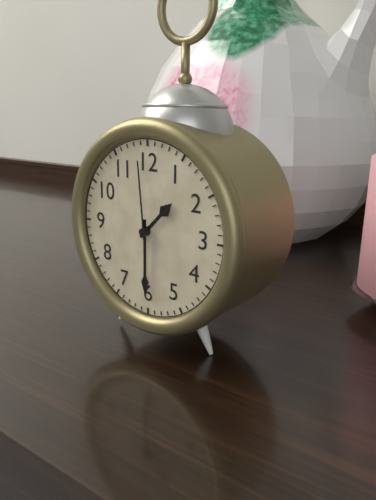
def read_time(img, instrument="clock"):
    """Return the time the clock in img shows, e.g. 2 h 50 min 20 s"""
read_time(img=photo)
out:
1 h 30 min 59 s
